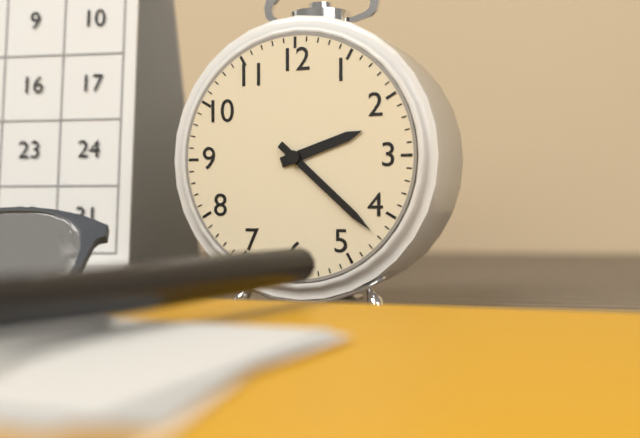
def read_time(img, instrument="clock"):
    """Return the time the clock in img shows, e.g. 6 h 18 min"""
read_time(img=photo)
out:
2 h 22 min
